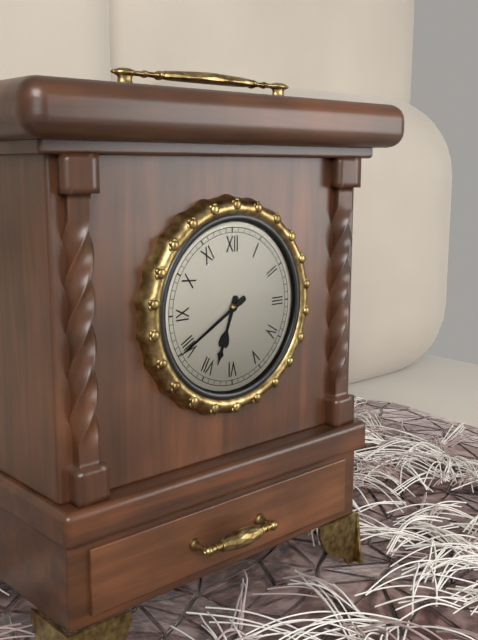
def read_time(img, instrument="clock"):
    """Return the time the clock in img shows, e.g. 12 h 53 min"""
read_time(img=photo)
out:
6 h 40 min
